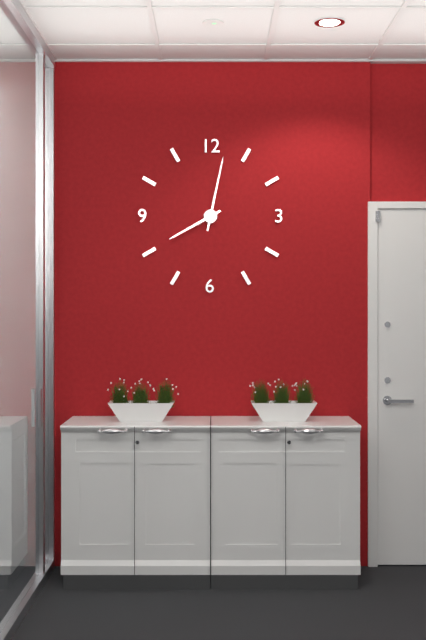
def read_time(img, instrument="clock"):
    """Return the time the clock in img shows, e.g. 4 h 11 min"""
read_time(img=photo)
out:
8 h 02 min
